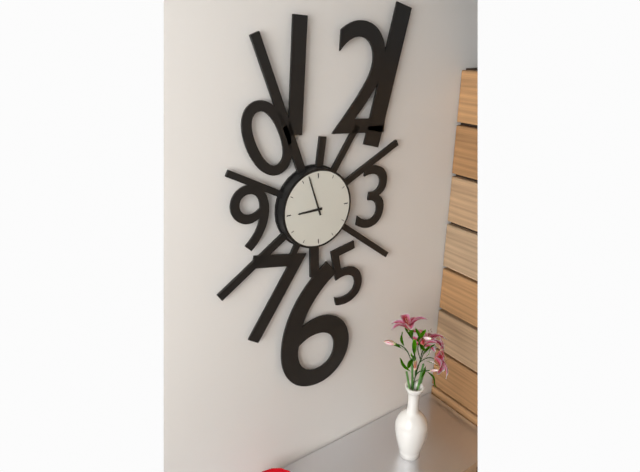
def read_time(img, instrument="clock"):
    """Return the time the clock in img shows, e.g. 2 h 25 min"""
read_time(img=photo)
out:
8 h 57 min
